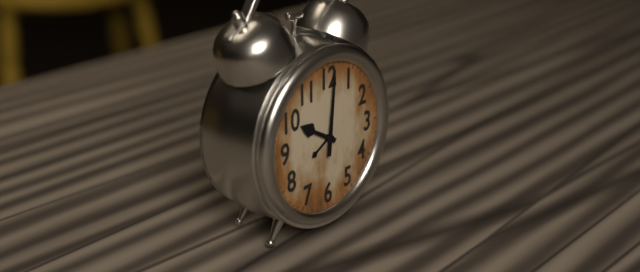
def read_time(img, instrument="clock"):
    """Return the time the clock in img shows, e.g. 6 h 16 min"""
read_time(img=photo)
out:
10 h 01 min
